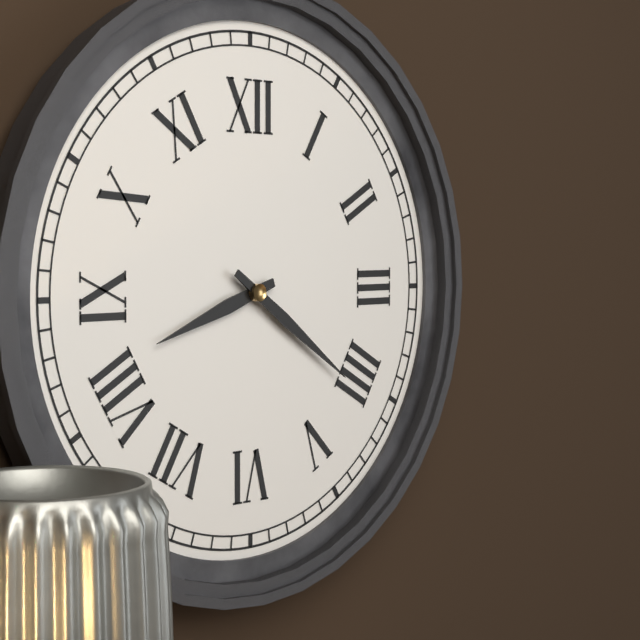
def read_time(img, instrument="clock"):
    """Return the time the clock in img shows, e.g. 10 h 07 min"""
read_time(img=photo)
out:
8 h 21 min
